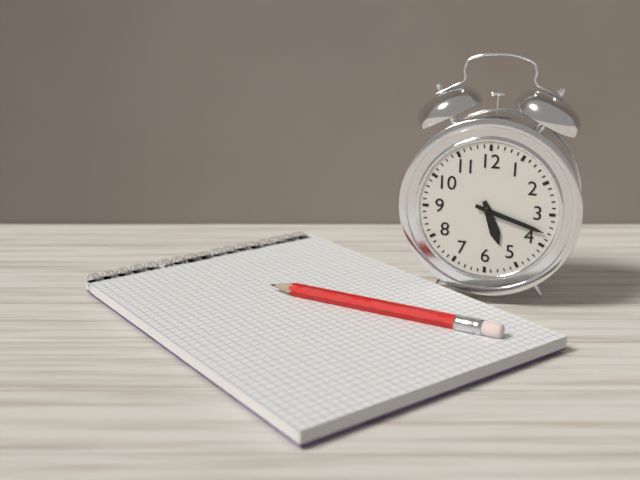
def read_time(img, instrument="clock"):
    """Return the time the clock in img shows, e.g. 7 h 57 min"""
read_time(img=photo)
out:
5 h 18 min
